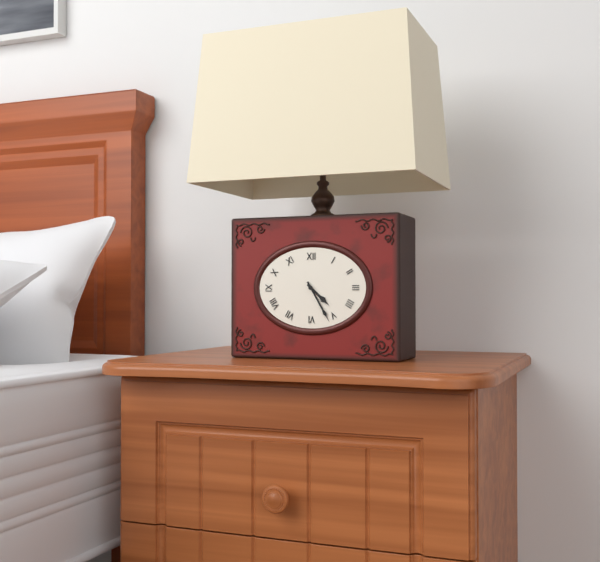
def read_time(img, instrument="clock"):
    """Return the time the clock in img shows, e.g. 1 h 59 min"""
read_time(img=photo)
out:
4 h 25 min
